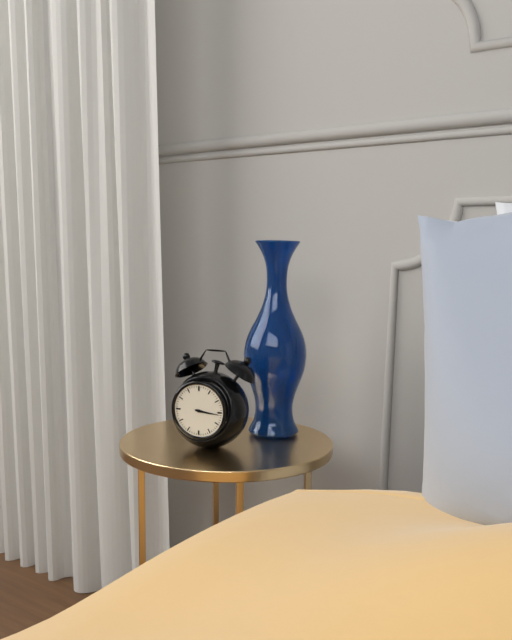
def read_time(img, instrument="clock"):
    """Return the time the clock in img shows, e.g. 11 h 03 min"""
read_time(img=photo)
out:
3 h 16 min
